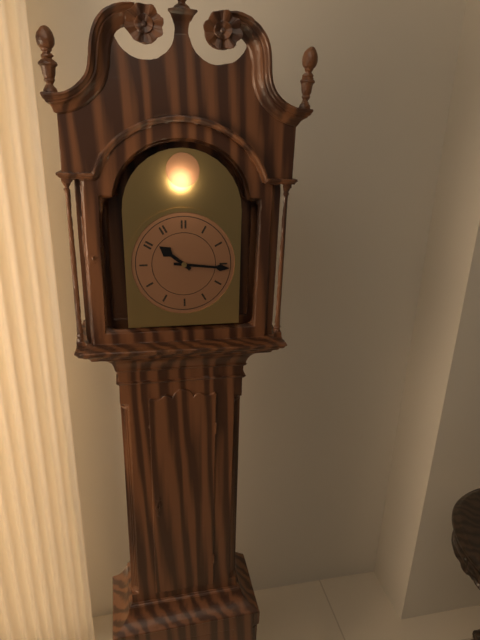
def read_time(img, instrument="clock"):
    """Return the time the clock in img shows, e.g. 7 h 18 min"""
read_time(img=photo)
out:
10 h 16 min
